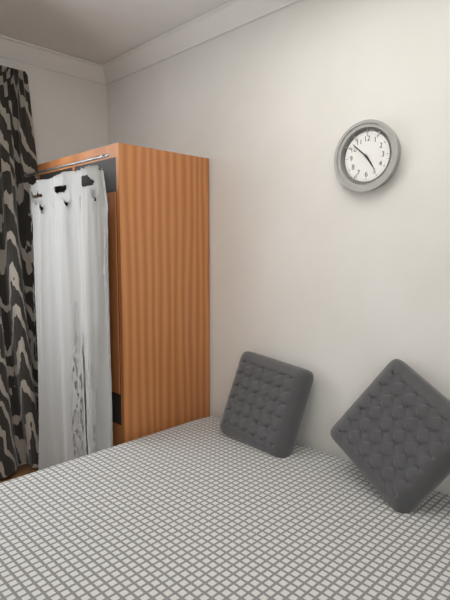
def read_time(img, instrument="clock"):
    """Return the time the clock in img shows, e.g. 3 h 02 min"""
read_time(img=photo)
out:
4 h 52 min
